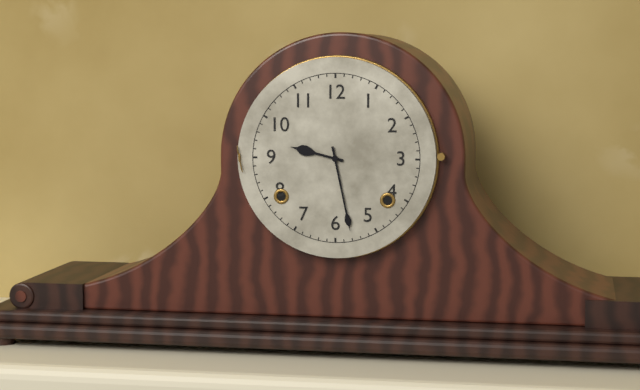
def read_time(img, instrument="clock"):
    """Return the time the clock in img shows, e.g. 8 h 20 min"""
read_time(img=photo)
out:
9 h 28 min
